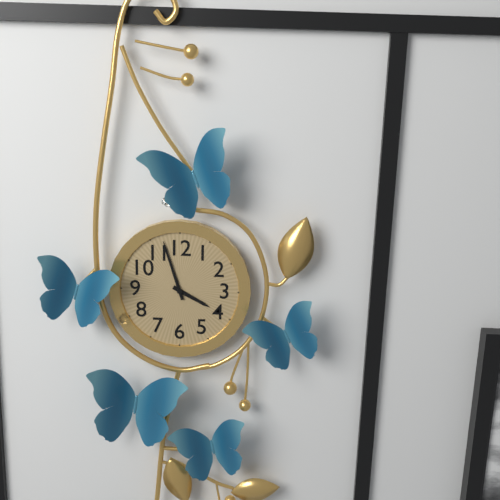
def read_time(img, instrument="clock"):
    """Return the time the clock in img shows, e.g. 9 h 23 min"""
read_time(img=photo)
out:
3 h 57 min
